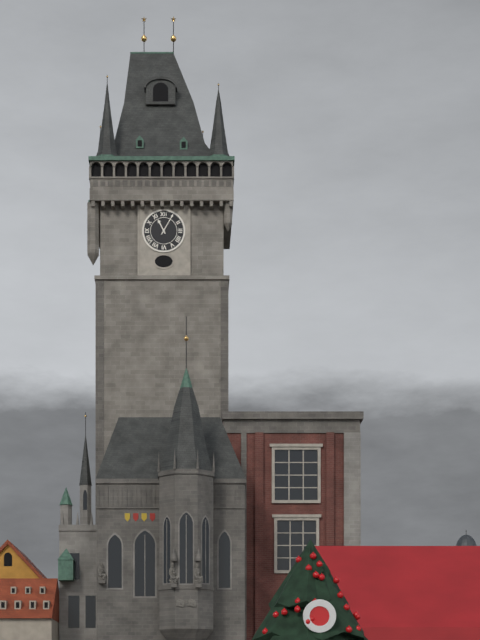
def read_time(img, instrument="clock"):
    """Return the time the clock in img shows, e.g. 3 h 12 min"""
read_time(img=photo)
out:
11 h 05 min
